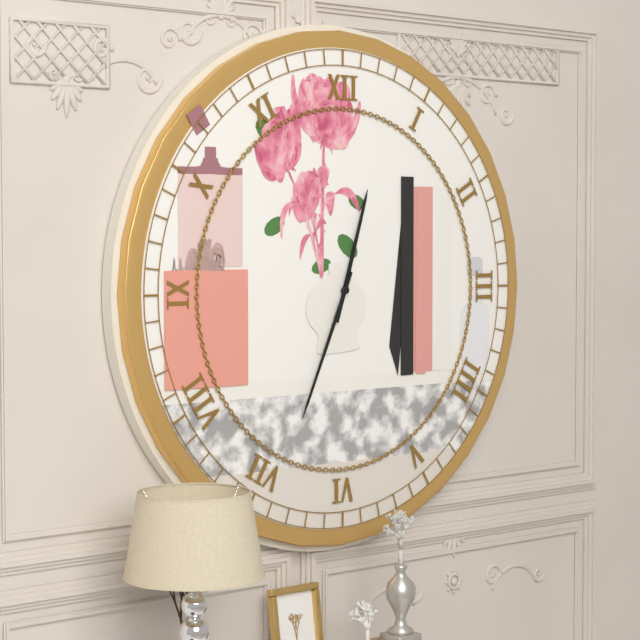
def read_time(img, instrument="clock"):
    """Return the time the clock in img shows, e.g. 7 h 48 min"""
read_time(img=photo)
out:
12 h 34 min
